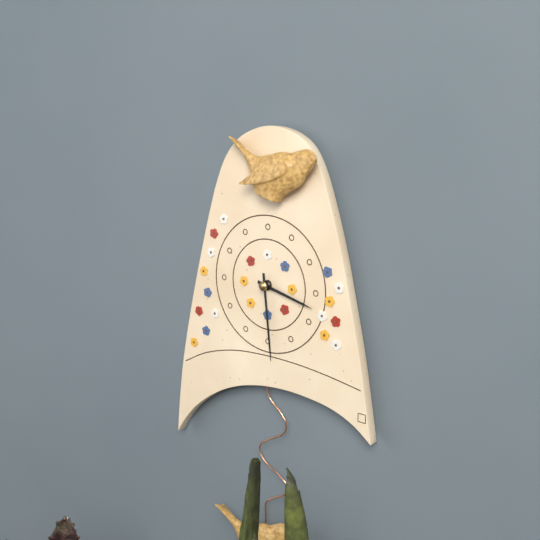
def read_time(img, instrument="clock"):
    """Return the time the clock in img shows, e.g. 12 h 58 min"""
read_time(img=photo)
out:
3 h 29 min
